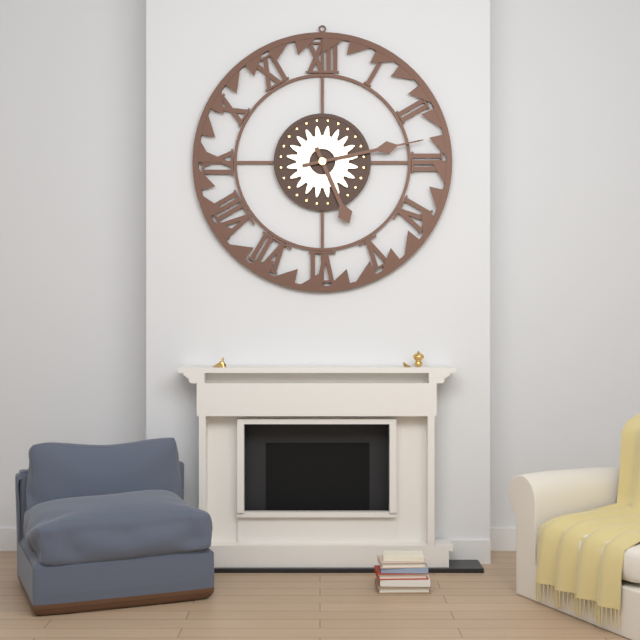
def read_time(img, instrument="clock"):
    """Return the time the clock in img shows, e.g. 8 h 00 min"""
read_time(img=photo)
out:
5 h 13 min
